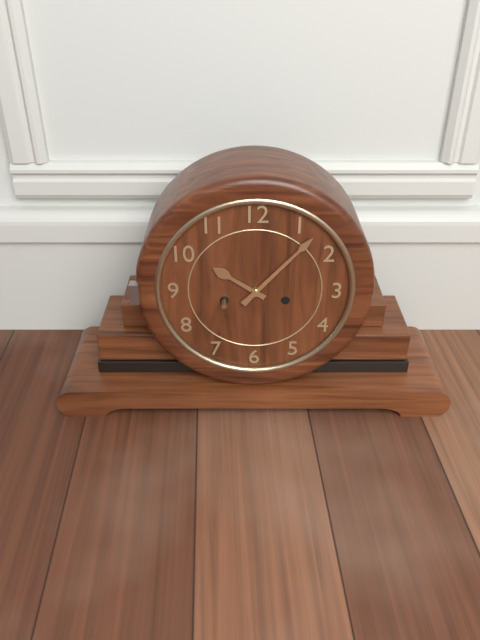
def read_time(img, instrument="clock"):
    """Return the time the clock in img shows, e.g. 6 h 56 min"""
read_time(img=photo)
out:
10 h 07 min
